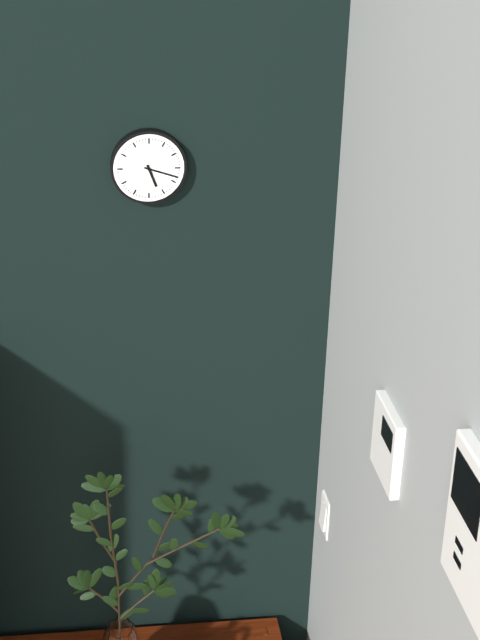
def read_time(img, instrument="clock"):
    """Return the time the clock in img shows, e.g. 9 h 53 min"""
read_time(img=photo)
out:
5 h 18 min
